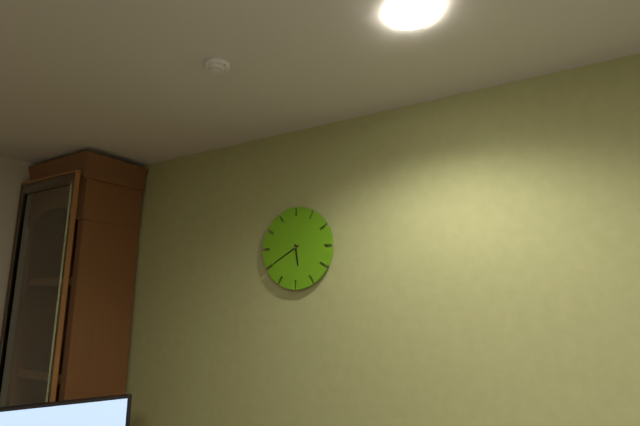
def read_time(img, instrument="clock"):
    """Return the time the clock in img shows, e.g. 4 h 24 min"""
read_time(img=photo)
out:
5 h 40 min
